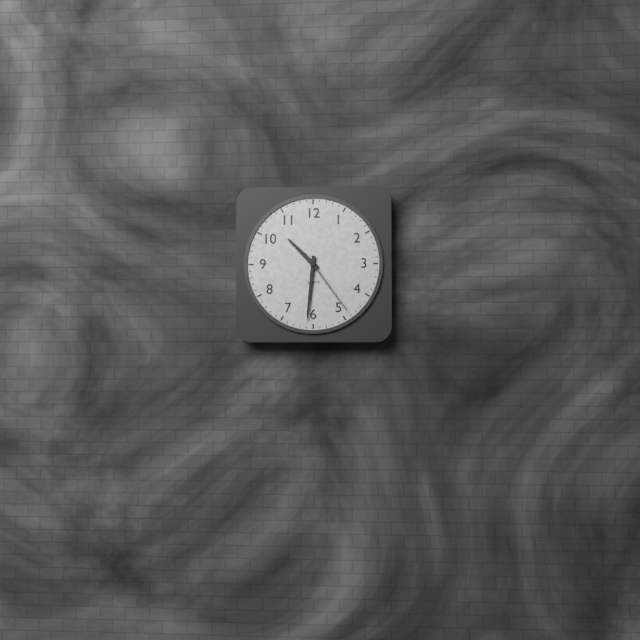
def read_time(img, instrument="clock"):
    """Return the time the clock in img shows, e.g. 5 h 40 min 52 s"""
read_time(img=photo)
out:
10 h 31 min 24 s
